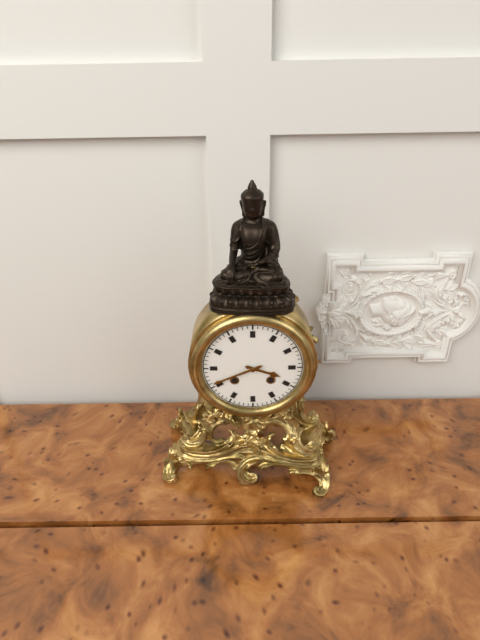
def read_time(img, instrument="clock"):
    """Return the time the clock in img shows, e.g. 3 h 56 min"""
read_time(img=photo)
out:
3 h 41 min
